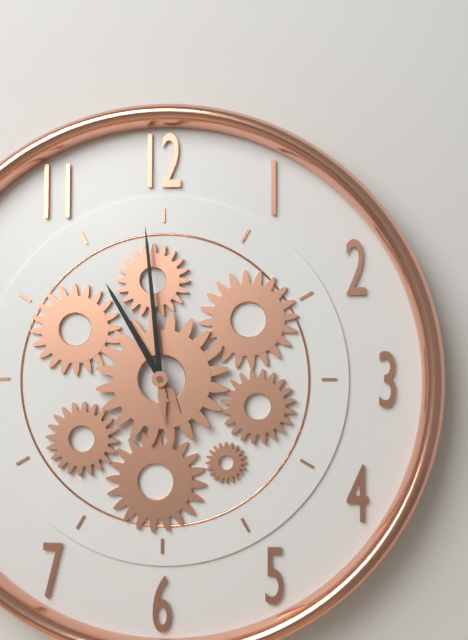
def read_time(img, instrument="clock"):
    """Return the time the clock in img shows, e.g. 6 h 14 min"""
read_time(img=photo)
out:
10 h 59 min
